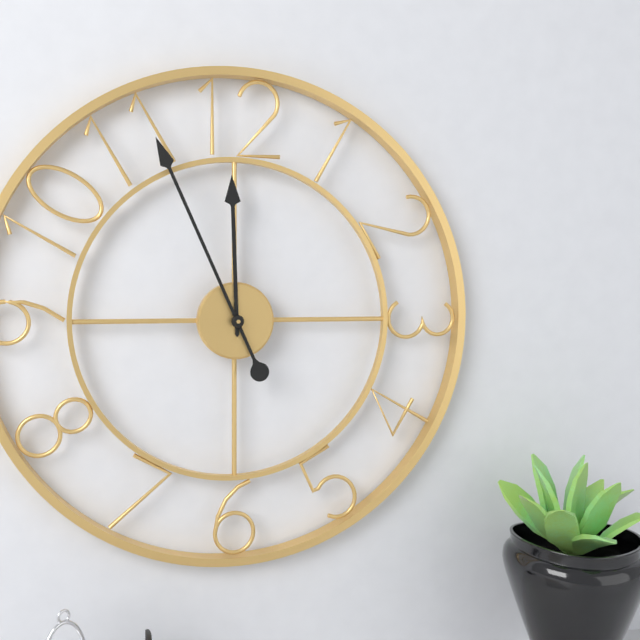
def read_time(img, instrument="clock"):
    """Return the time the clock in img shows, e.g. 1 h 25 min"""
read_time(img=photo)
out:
11 h 56 min
